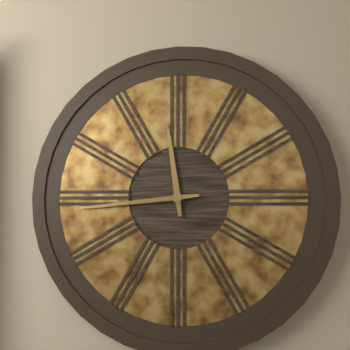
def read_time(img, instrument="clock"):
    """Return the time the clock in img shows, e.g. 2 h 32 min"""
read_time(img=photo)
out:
11 h 44 min
